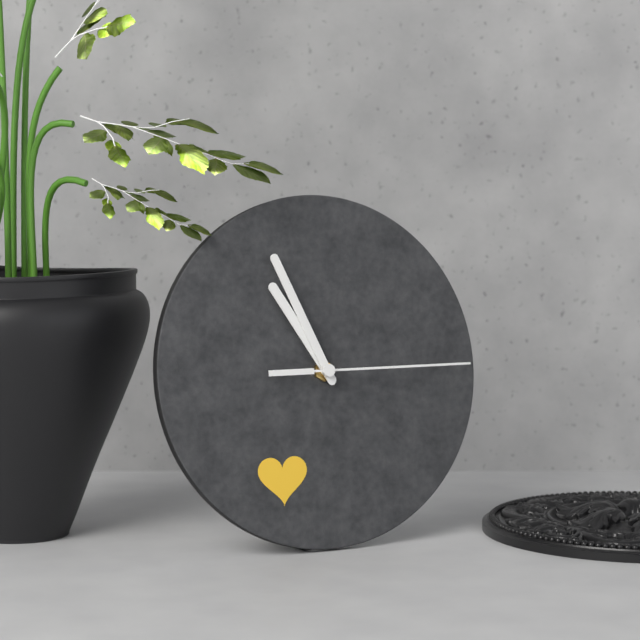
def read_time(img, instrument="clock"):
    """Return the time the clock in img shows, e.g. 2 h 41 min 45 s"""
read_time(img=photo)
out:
10 h 56 min 15 s
